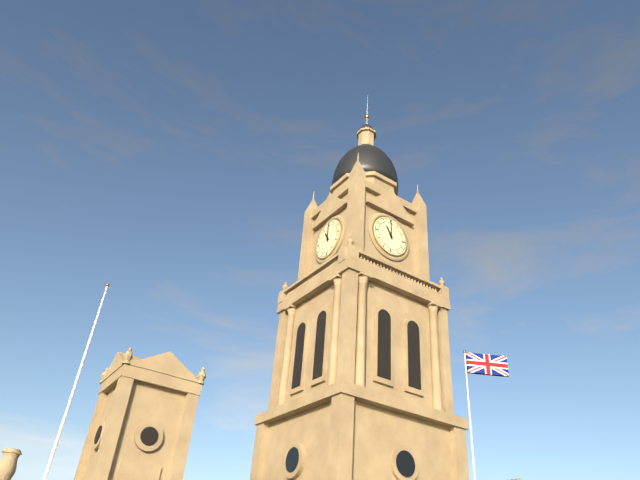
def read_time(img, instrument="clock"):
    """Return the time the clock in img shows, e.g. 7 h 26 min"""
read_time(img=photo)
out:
11 h 00 min
